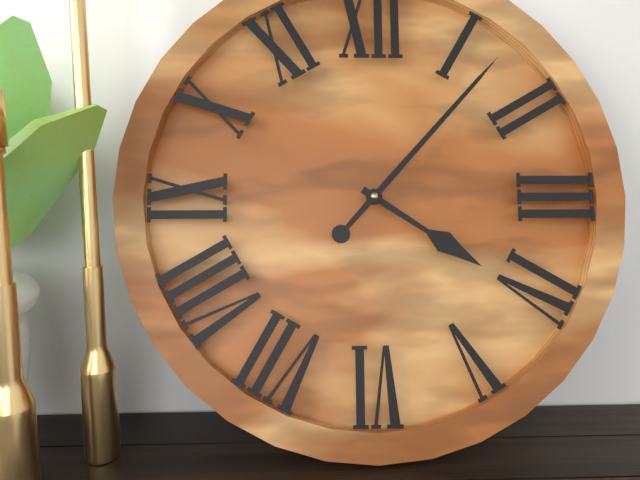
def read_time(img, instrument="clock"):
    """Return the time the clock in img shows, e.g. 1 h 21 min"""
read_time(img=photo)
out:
4 h 07 min
